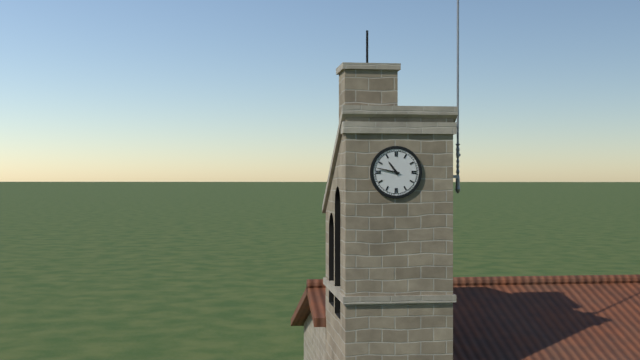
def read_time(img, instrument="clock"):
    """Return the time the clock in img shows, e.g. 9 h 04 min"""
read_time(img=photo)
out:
10 h 47 min
